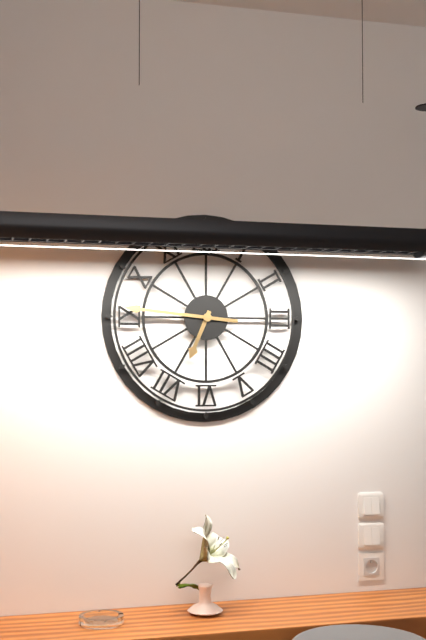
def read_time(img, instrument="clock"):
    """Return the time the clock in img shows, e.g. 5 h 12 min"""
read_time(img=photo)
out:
6 h 46 min
